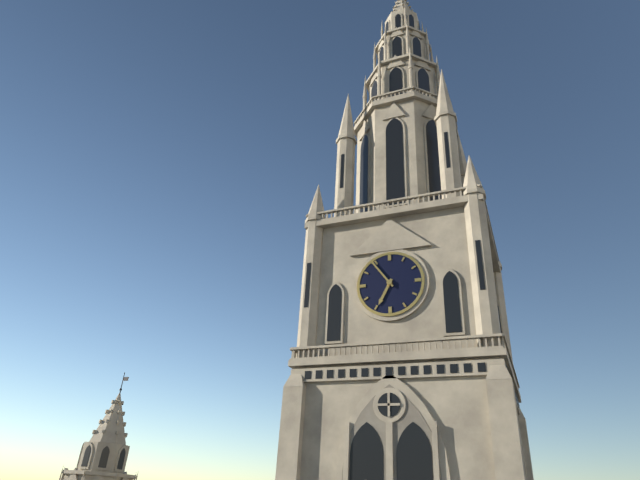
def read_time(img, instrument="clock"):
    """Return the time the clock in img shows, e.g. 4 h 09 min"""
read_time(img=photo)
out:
6 h 54 min
